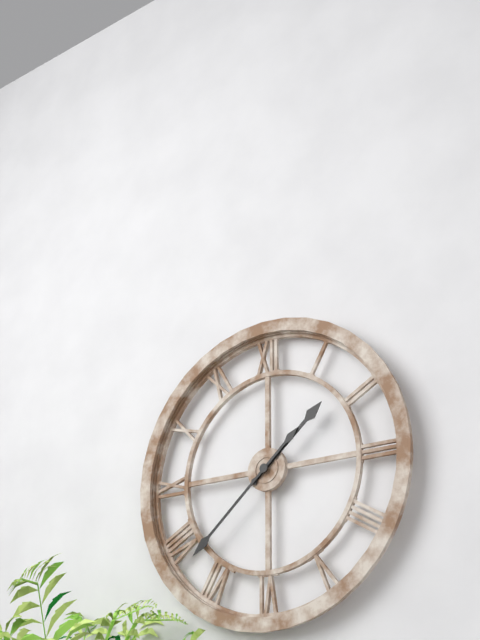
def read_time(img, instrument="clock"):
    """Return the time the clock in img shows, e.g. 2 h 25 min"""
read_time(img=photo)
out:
1 h 38 min
